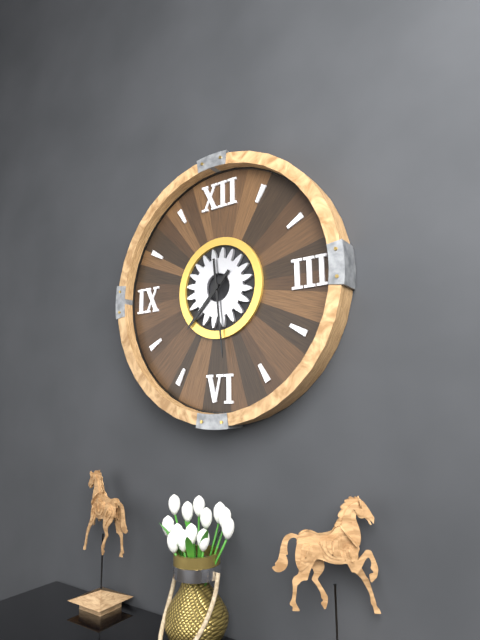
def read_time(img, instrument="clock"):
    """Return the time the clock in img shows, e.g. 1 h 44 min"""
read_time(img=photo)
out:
7 h 29 min
